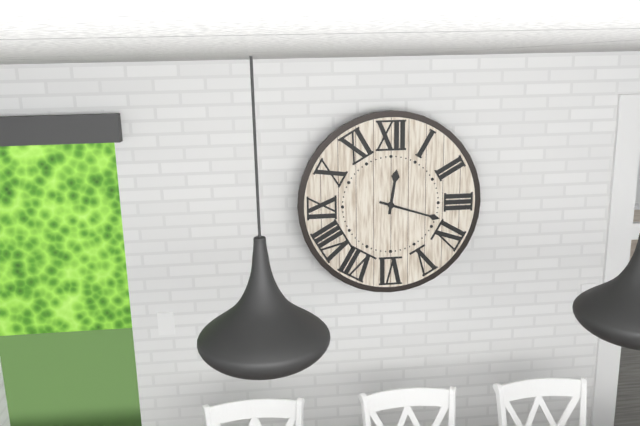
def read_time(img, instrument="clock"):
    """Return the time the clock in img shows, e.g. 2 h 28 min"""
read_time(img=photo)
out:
12 h 18 min
